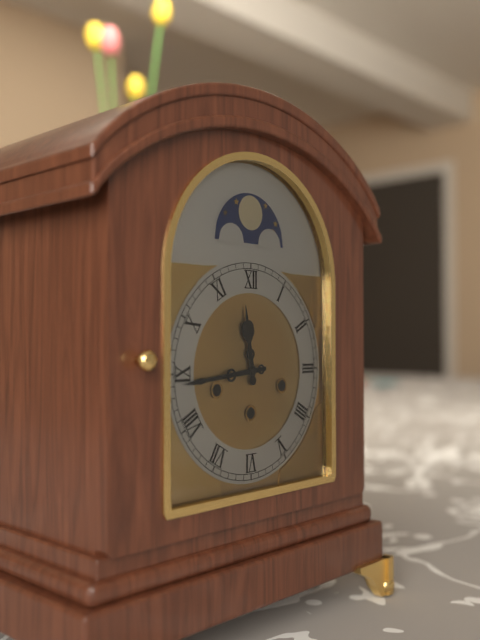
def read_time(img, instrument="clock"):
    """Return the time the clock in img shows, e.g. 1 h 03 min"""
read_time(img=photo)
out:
11 h 44 min
